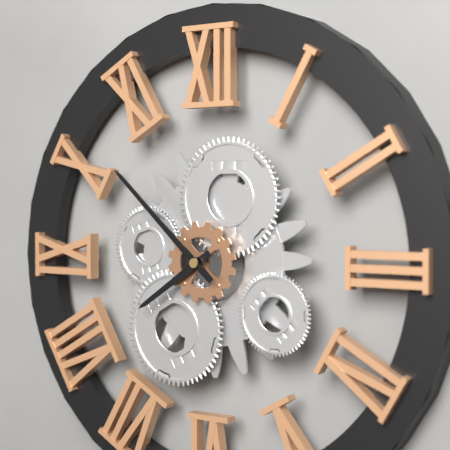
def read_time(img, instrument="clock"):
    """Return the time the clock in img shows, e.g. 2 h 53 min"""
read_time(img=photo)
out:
7 h 52 min
